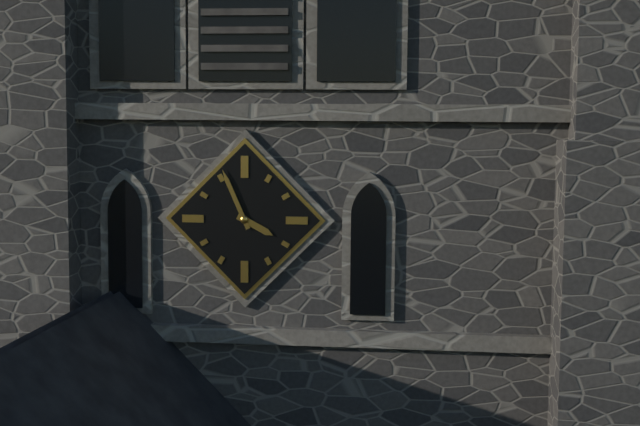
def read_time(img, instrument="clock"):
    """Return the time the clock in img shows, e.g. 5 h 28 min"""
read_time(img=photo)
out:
3 h 56 min
